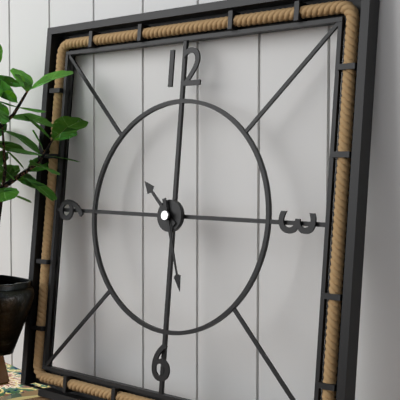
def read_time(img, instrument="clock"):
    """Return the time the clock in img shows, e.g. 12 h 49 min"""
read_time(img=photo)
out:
10 h 27 min
